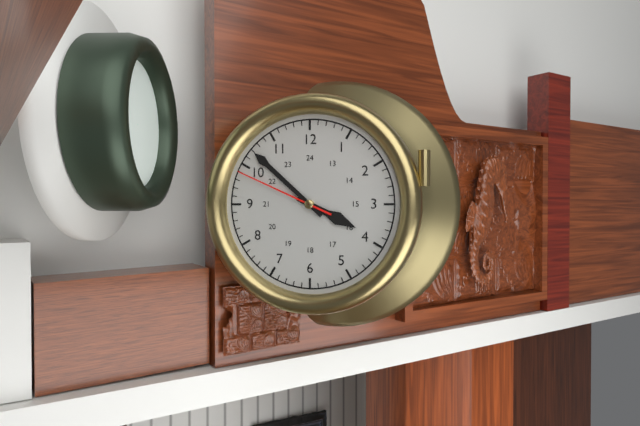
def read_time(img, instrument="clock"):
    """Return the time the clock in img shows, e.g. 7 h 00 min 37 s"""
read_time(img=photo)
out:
3 h 52 min 49 s
